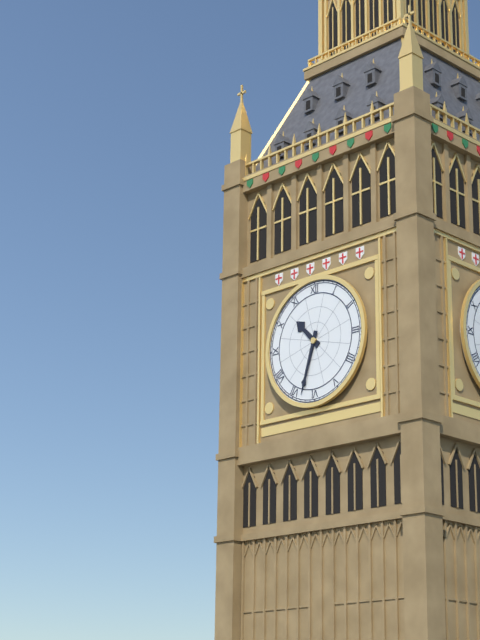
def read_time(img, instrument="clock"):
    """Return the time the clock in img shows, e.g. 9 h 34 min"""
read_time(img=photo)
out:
10 h 33 min
